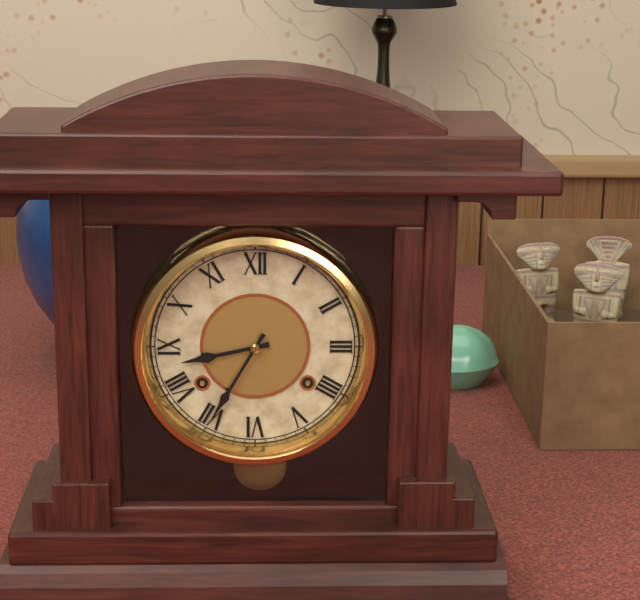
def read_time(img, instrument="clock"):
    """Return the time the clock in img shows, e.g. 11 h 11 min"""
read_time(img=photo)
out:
8 h 35 min
